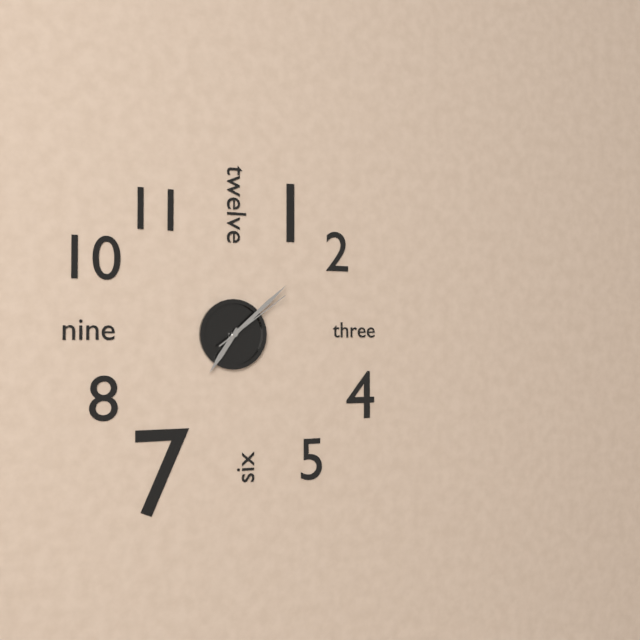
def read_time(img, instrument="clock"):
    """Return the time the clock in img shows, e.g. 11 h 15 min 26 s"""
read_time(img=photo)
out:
7 h 08 min 09 s
